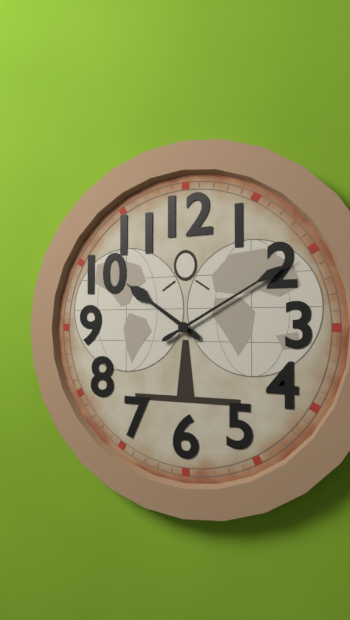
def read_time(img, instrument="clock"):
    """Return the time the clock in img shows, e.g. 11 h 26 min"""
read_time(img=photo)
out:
10 h 10 min
